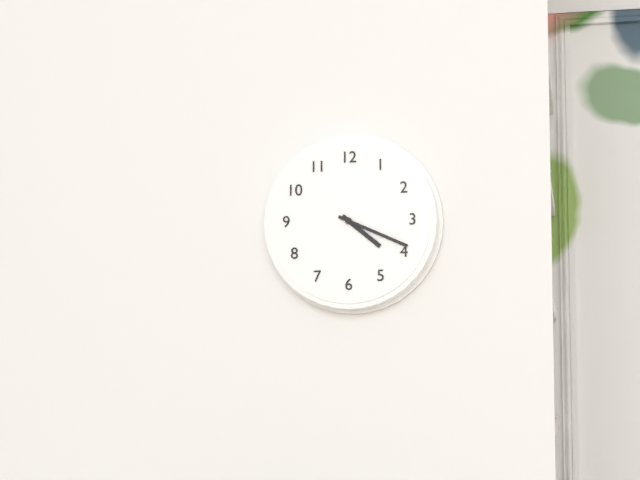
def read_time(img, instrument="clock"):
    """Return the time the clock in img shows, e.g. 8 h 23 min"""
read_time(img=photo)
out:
4 h 19 min
